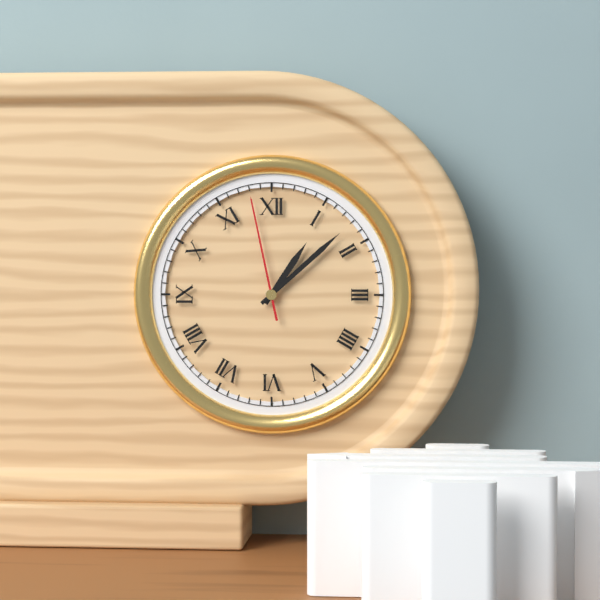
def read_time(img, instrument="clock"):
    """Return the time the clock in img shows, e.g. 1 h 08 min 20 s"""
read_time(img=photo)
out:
1 h 08 min 58 s
